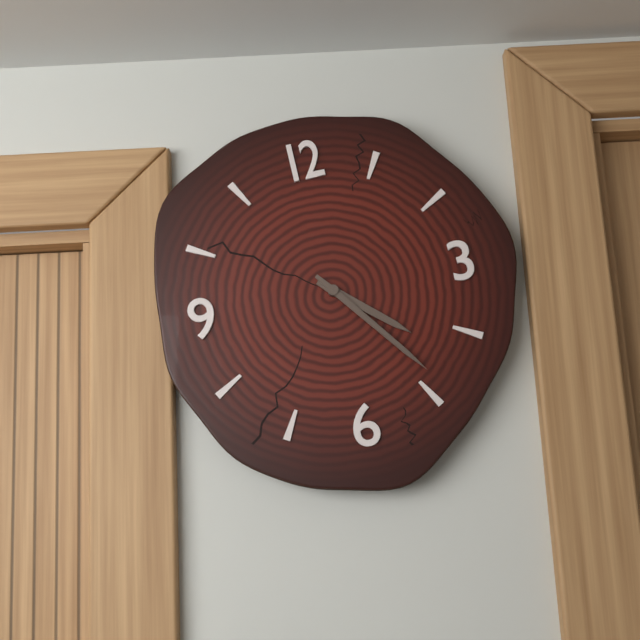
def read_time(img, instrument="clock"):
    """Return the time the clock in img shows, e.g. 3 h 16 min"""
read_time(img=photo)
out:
4 h 24 min
